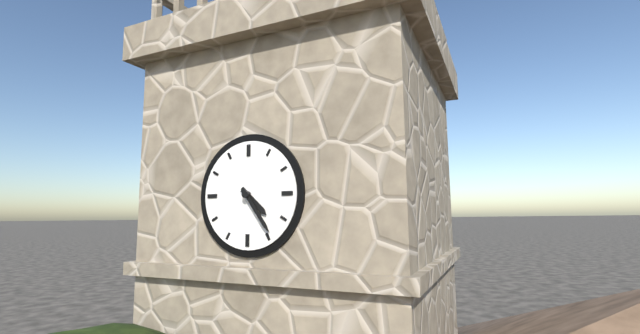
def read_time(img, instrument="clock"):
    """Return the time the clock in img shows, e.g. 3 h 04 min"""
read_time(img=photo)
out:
4 h 24 min
